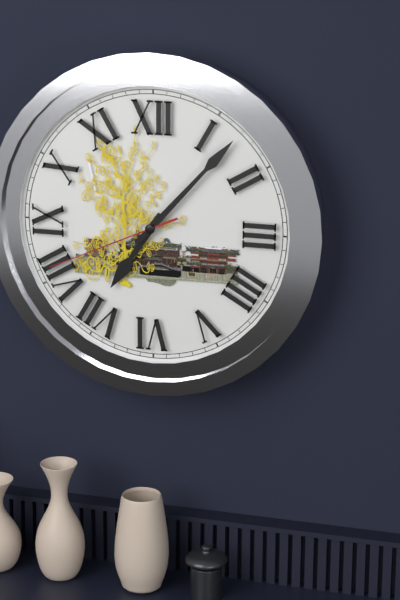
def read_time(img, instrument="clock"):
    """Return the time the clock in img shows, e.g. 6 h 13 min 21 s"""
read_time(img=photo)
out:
7 h 07 min 41 s
